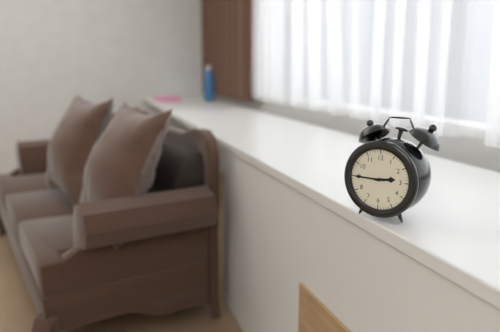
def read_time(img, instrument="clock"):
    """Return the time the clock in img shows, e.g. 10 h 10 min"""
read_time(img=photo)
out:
2 h 45 min
